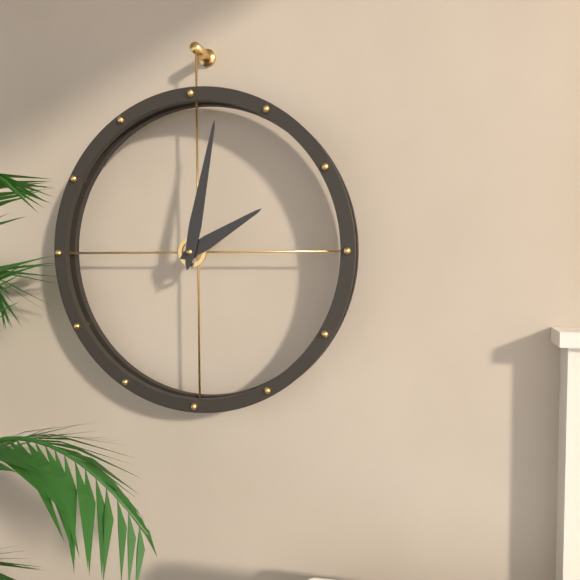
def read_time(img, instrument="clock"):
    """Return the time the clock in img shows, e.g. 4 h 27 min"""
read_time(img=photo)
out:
2 h 02 min
